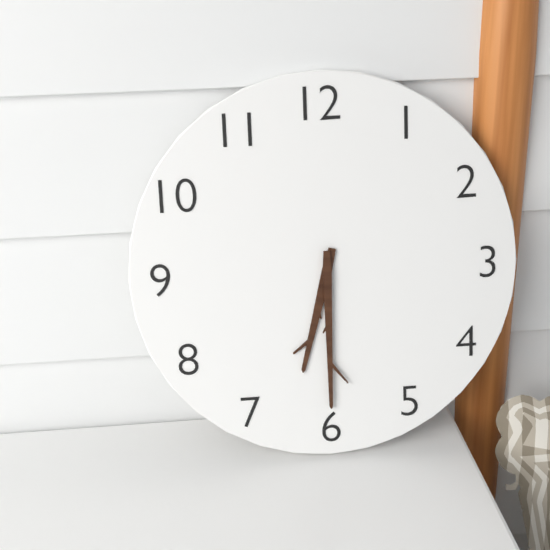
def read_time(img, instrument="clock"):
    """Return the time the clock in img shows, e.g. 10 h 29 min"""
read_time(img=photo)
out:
6 h 30 min
